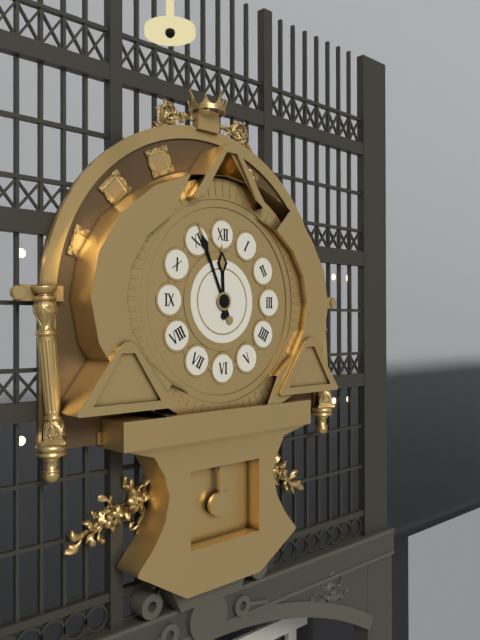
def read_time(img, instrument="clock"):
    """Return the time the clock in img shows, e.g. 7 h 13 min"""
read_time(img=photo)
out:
11 h 56 min
